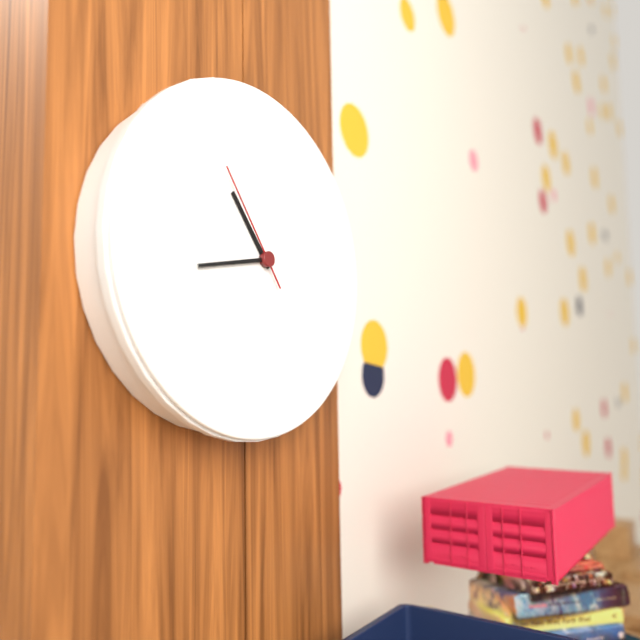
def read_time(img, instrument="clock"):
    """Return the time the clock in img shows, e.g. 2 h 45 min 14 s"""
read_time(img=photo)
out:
10 h 43 min 54 s
